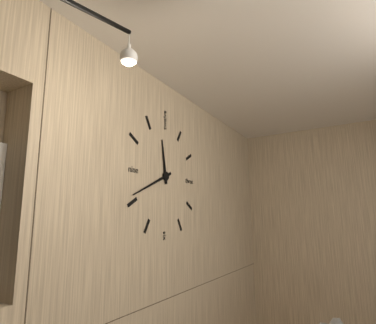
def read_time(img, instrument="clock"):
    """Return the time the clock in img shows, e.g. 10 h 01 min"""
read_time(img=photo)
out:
11 h 41 min
